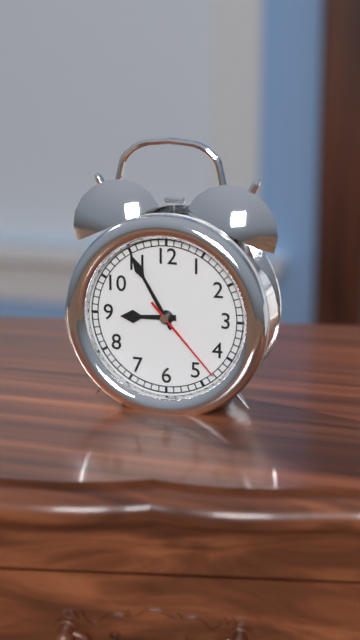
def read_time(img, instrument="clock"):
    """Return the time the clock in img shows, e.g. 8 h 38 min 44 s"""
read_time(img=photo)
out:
8 h 55 min 23 s
